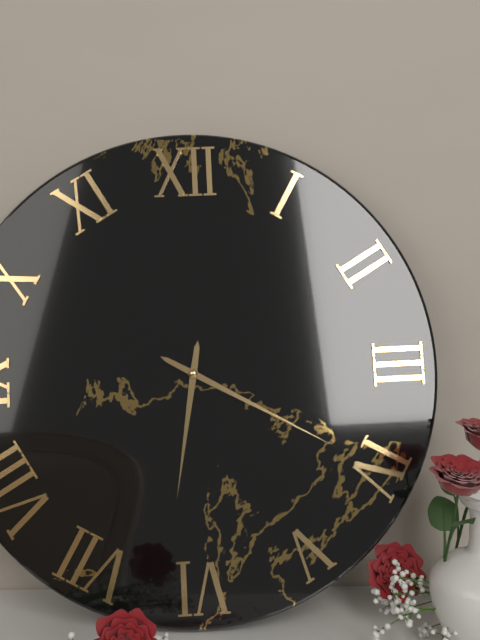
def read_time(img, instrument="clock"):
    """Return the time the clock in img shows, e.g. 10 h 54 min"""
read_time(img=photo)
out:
6 h 20 min
